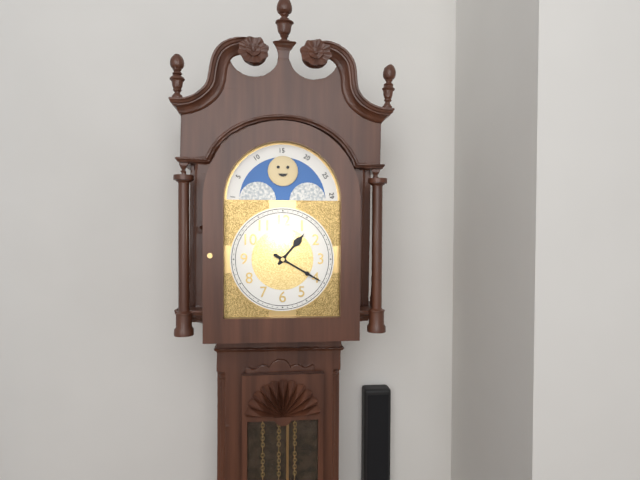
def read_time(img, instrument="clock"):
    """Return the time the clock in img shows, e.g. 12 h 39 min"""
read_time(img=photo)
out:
1 h 20 min
